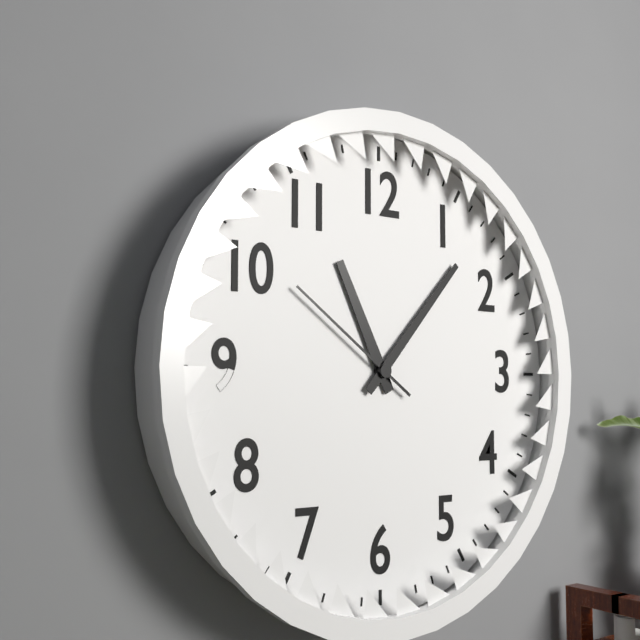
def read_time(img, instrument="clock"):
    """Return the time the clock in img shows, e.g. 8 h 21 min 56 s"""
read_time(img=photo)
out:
11 h 07 min 51 s
